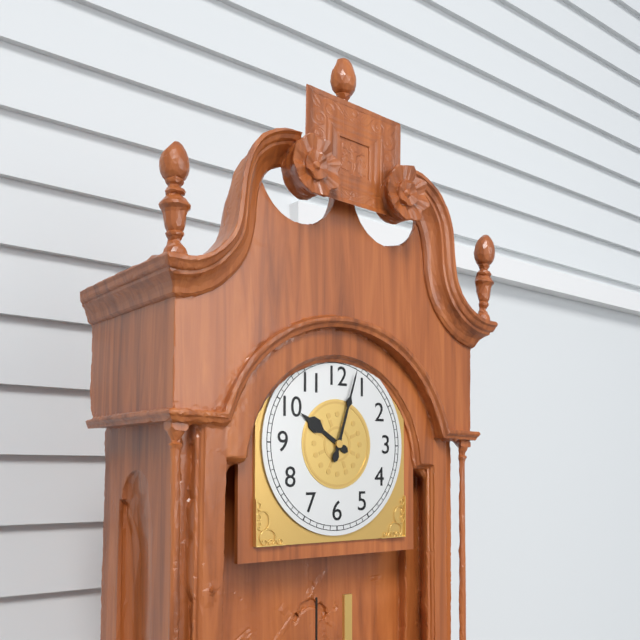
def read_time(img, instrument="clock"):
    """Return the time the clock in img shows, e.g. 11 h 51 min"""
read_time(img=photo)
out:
10 h 03 min
